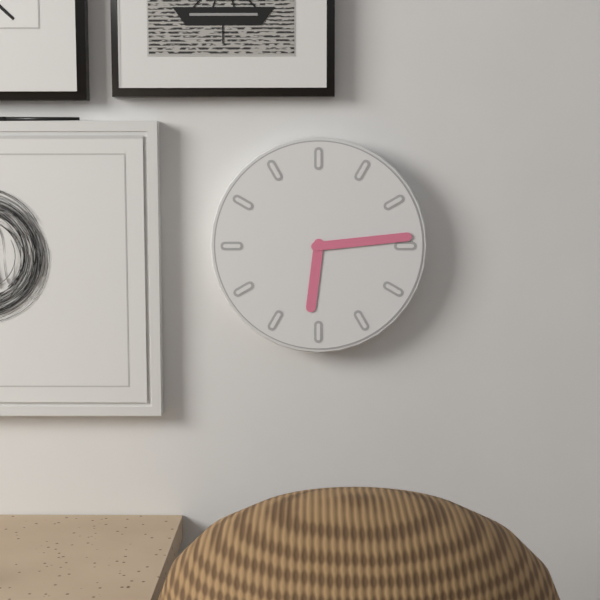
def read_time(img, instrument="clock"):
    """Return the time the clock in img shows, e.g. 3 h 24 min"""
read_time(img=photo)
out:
6 h 14 min
